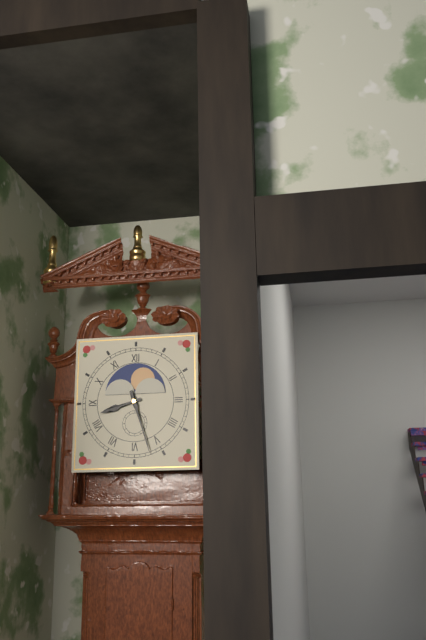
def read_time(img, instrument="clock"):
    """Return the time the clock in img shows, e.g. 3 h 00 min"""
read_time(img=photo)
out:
8 h 27 min
